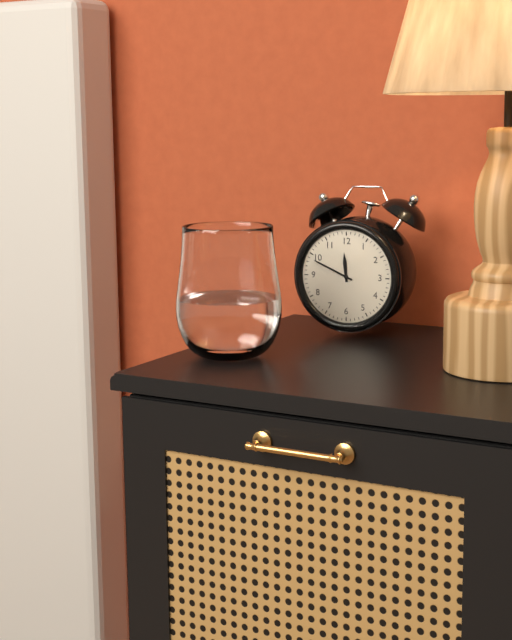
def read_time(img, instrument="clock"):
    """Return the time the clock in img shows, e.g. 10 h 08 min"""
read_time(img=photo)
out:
11 h 49 min
